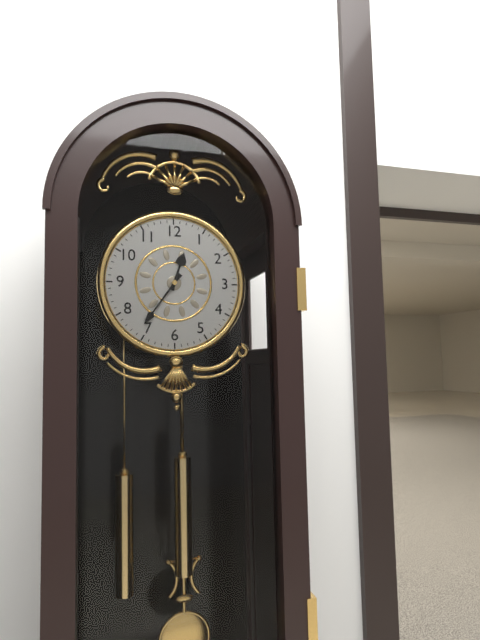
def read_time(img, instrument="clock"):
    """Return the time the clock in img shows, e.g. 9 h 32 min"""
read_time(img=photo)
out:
12 h 36 min
